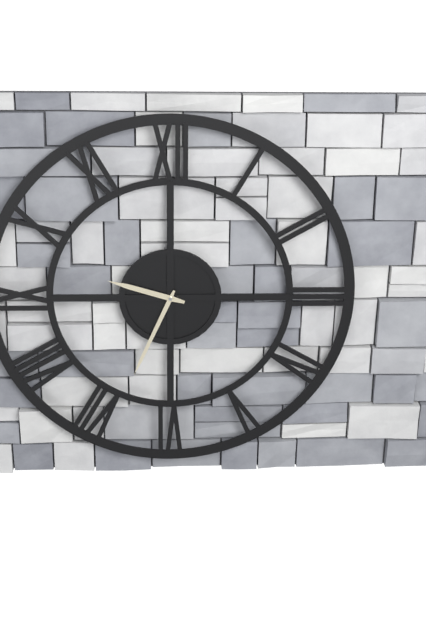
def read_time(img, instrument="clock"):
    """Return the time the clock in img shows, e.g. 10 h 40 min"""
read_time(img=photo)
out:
9 h 34 min
